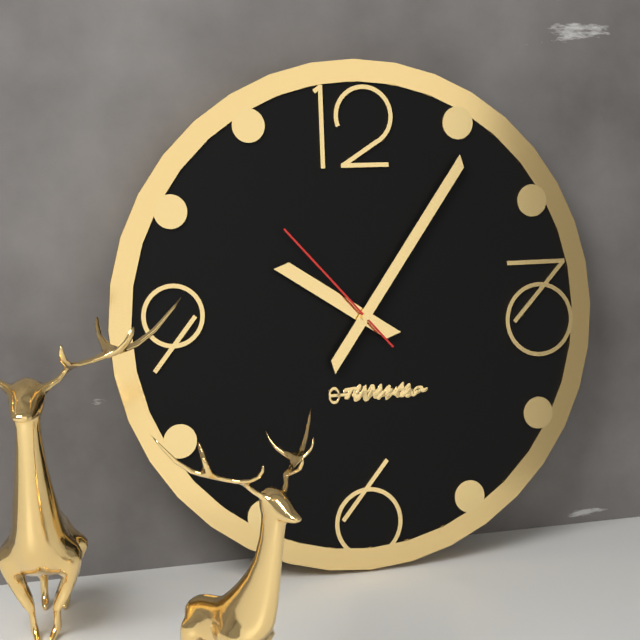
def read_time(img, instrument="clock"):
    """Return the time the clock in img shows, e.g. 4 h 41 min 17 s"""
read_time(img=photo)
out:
10 h 06 min 53 s
